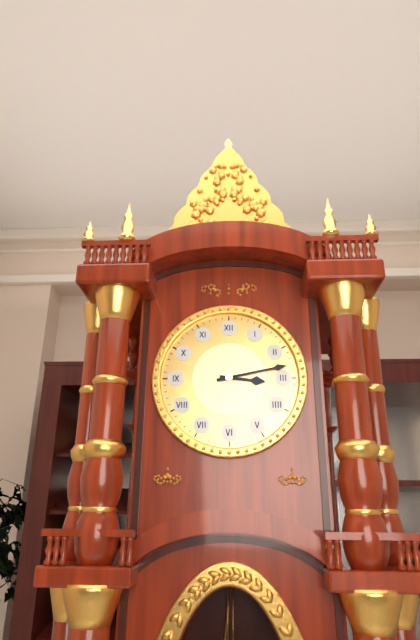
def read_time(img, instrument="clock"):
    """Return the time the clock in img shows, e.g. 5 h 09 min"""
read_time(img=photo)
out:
3 h 13 min
